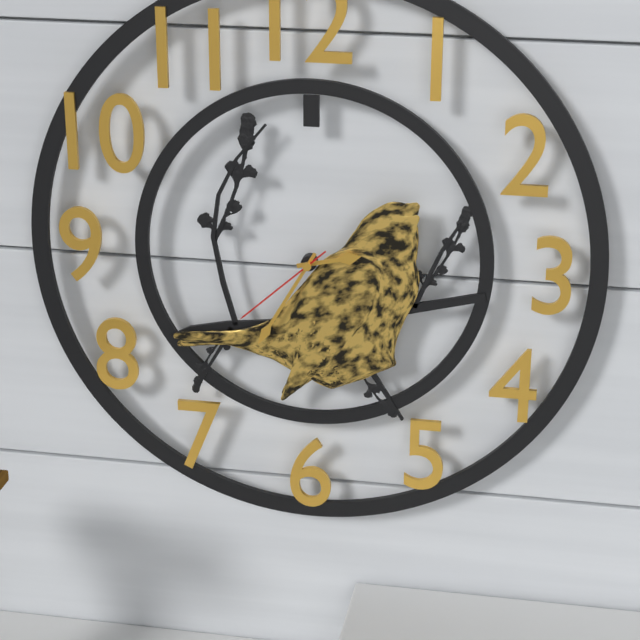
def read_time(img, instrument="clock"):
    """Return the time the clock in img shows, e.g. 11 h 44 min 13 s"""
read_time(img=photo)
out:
2 h 35 min 38 s
